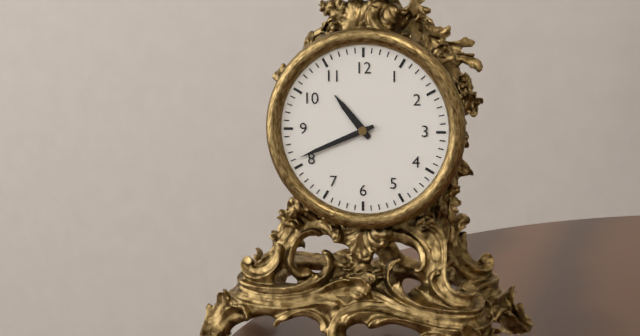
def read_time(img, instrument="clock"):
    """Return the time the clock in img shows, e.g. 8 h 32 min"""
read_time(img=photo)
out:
10 h 41 min
